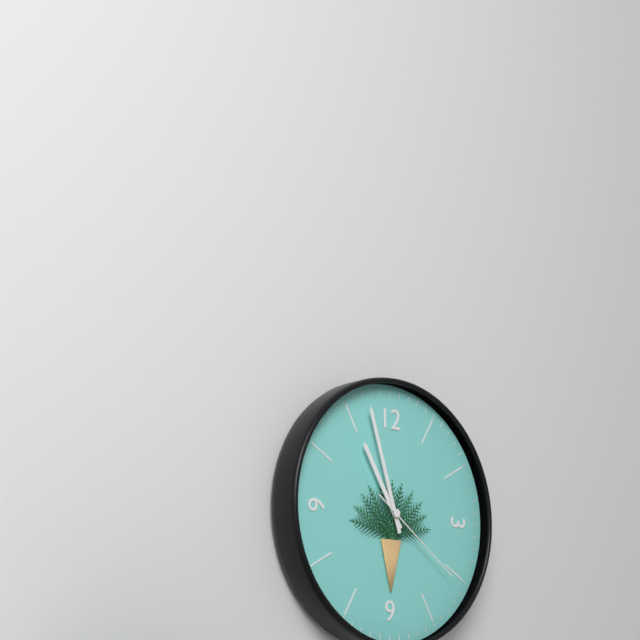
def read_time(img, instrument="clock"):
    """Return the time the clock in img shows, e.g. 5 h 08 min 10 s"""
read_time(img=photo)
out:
10 h 57 min 21 s
